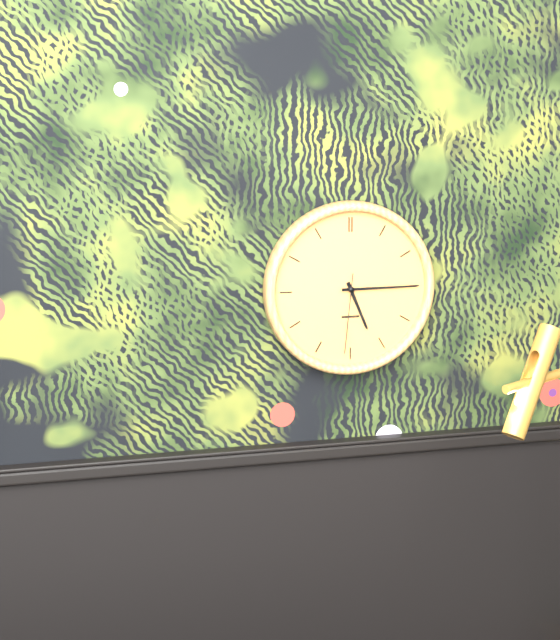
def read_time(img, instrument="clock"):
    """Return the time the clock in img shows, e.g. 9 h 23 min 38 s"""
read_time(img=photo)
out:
5 h 15 min 31 s
